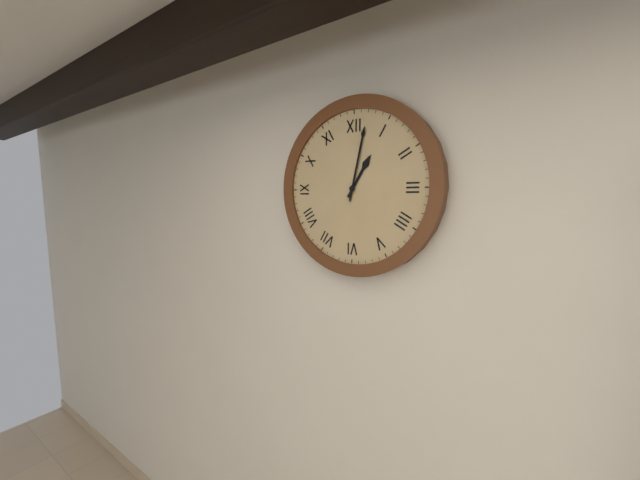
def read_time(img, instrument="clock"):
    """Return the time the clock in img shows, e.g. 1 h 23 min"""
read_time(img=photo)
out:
1 h 02 min
